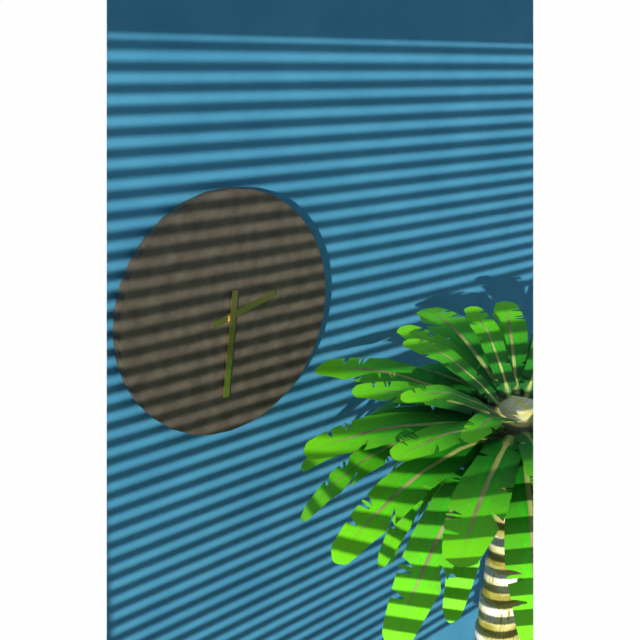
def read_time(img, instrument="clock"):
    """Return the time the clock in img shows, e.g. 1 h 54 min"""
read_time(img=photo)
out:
2 h 31 min
